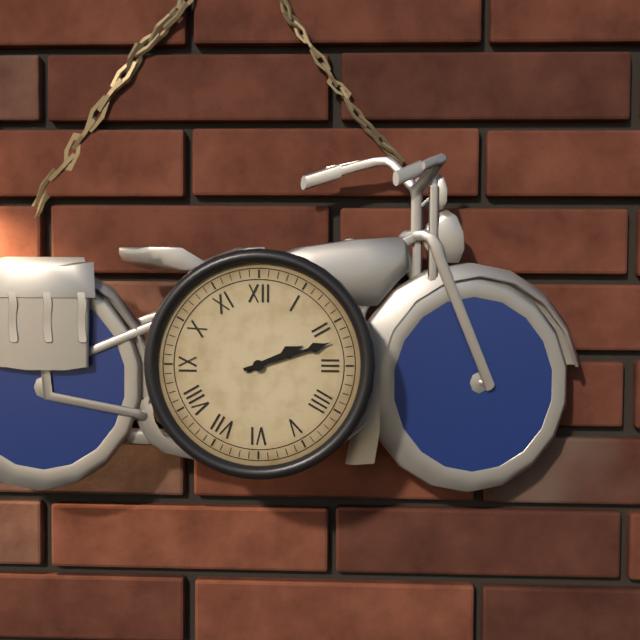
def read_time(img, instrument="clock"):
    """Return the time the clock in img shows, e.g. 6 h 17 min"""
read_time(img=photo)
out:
2 h 12 min
